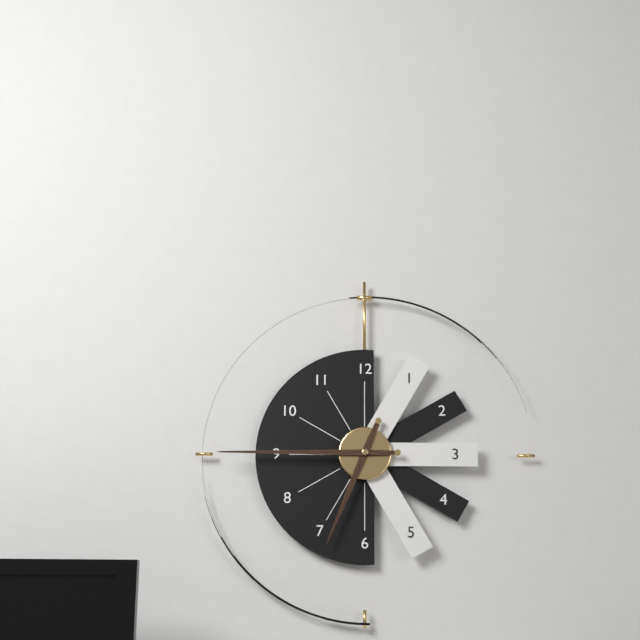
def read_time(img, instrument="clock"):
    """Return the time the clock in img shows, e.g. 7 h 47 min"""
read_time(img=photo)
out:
6 h 45 min
